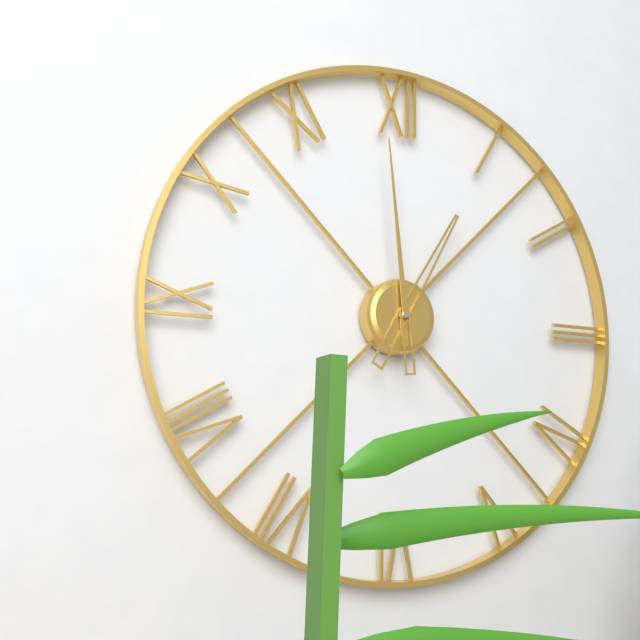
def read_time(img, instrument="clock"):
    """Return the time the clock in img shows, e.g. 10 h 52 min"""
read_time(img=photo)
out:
12 h 59 min
